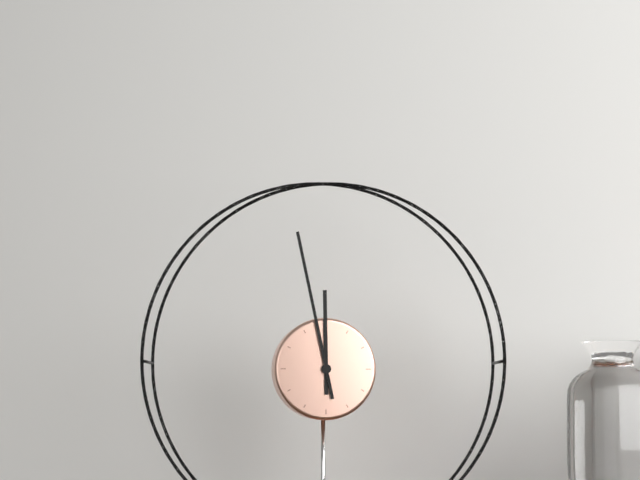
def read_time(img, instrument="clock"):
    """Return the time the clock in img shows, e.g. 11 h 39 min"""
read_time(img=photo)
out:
11 h 58 min
